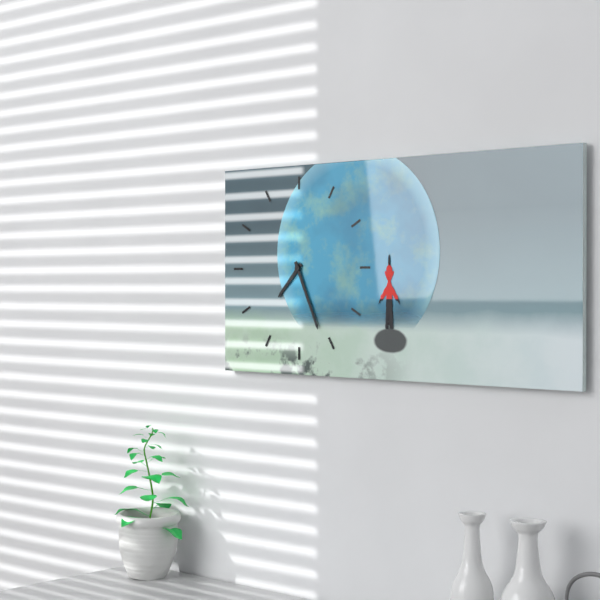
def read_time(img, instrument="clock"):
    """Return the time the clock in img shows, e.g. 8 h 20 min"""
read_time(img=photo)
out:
7 h 26 min
